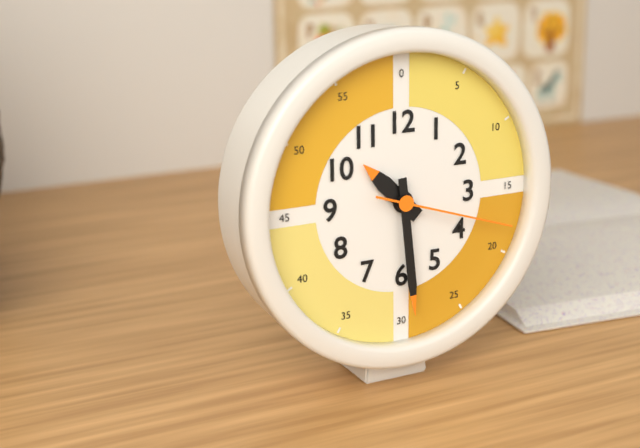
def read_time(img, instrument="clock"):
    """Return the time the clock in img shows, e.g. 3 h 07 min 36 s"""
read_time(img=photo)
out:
10 h 29 min 18 s
